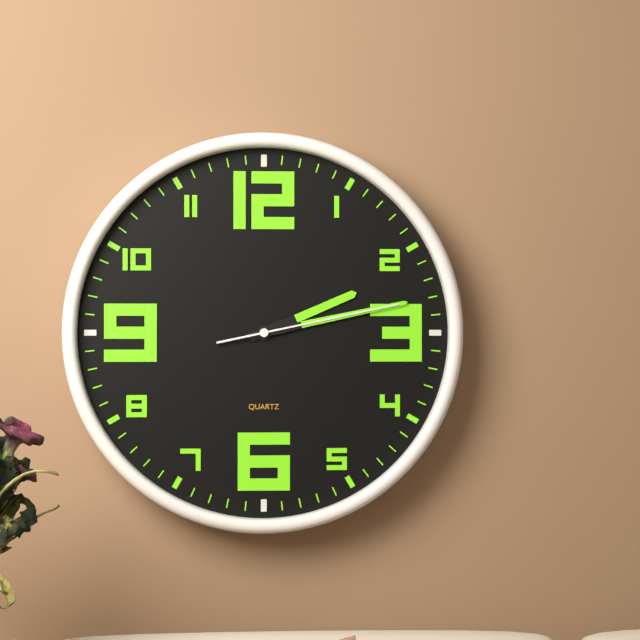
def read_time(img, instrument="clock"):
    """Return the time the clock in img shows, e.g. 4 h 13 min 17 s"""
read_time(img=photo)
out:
2 h 13 min 13 s
